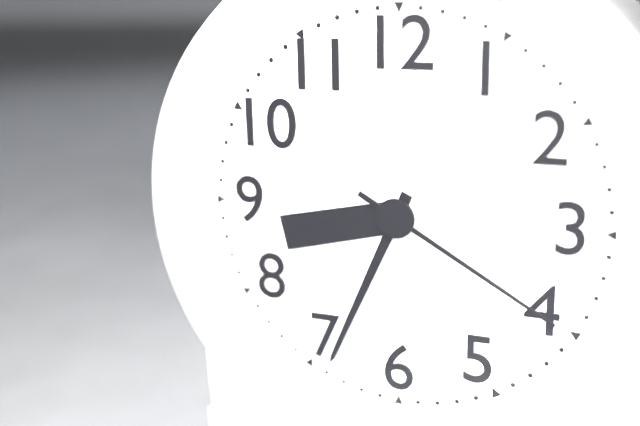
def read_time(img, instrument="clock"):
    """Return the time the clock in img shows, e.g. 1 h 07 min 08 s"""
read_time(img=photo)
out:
8 h 34 min 20 s
